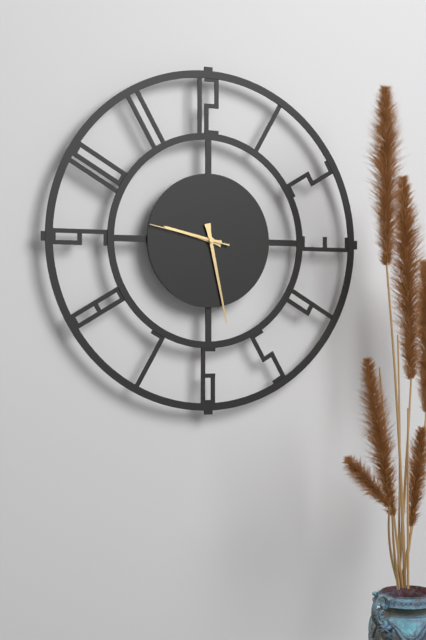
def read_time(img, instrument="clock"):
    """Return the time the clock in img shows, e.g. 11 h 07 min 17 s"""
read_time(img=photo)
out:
9 h 28 min 47 s
